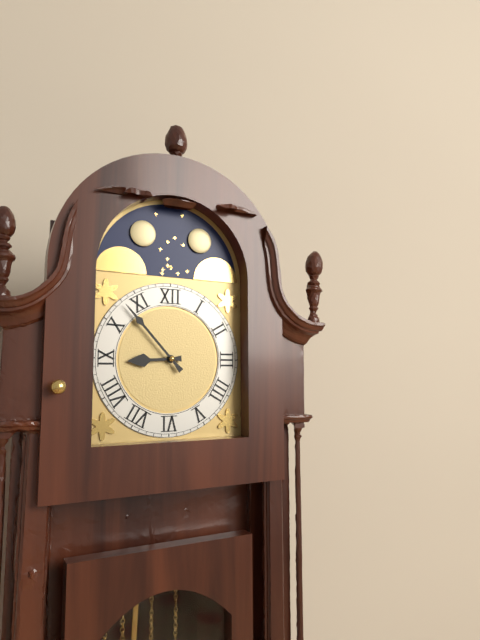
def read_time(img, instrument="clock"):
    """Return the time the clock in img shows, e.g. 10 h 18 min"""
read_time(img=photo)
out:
8 h 53 min
